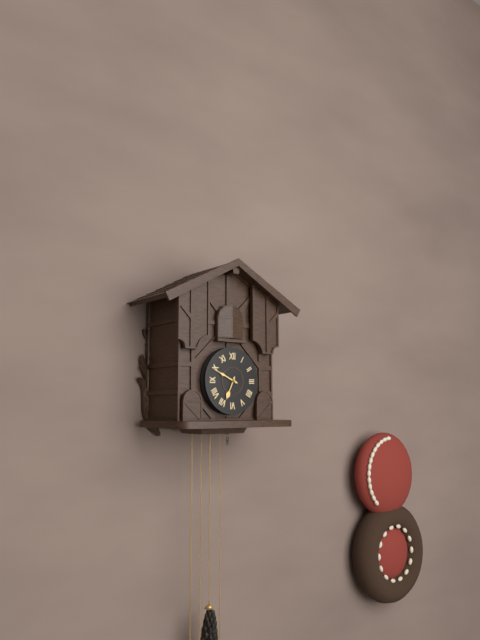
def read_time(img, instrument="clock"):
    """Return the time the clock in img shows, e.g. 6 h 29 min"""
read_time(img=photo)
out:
6 h 49 min
